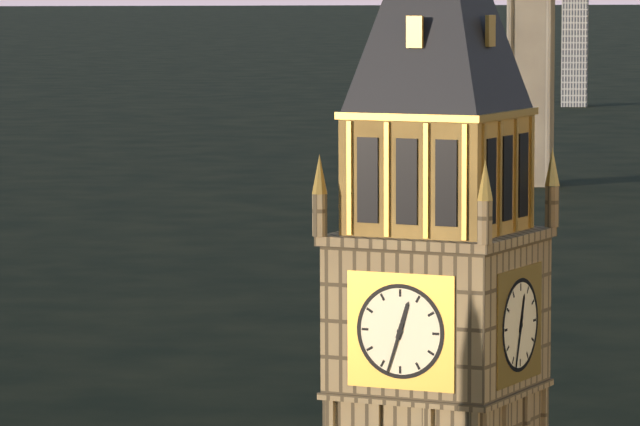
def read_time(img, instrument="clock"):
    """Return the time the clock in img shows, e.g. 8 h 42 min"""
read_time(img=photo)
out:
12 h 33 min
